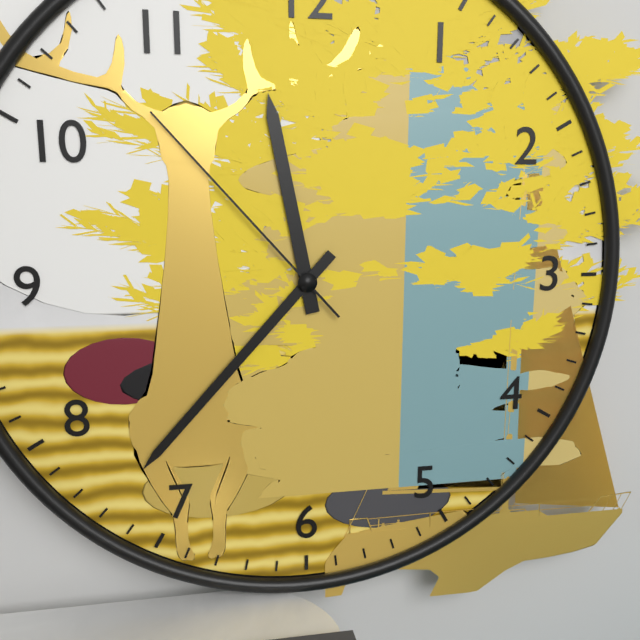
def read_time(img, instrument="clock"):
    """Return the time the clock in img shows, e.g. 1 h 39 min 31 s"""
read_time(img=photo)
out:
11 h 37 min 53 s
